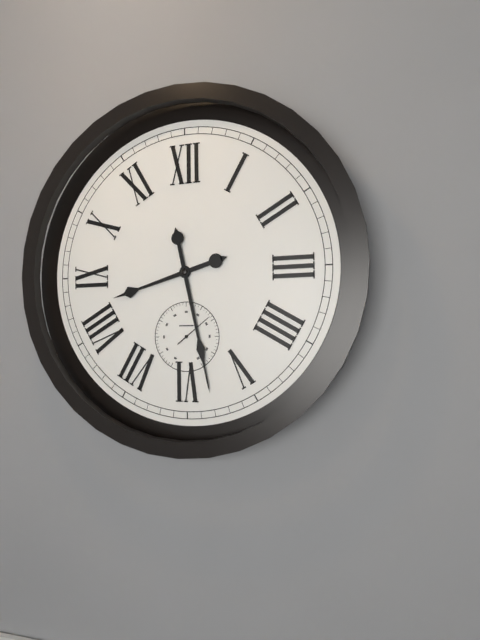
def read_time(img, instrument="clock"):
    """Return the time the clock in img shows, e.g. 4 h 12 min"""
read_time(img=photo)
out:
8 h 28 min
